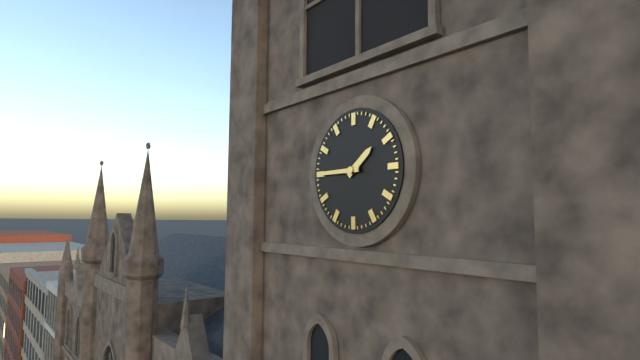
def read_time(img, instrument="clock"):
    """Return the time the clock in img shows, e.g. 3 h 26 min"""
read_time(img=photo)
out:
1 h 45 min
